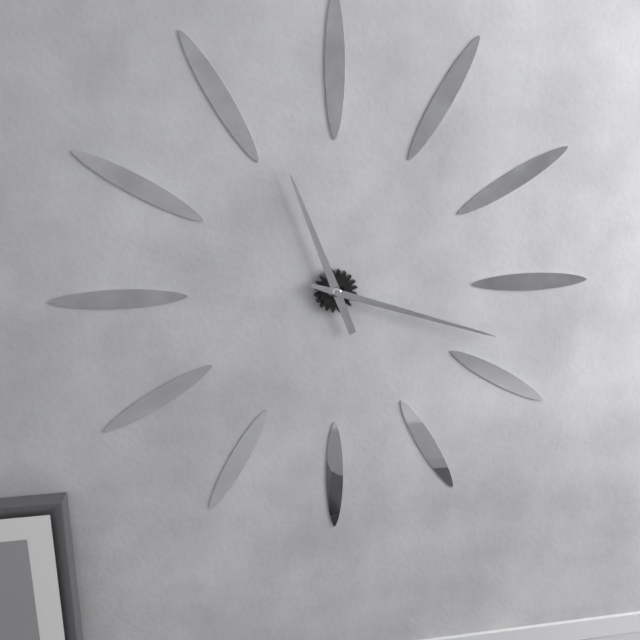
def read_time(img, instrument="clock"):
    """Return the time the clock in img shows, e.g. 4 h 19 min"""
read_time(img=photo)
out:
11 h 18 min
